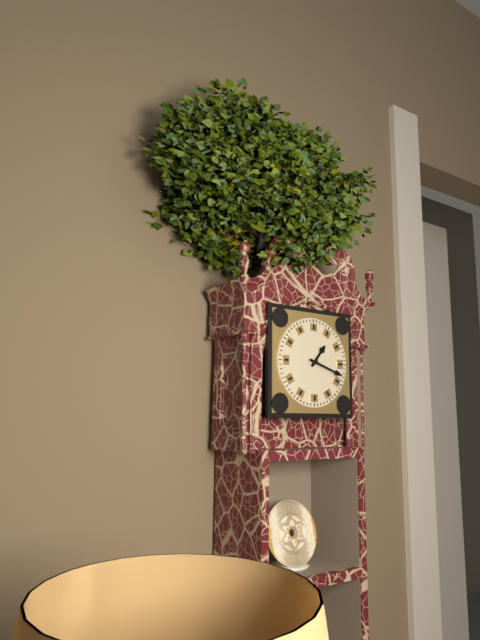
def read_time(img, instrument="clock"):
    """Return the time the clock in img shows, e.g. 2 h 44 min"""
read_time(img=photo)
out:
1 h 18 min
